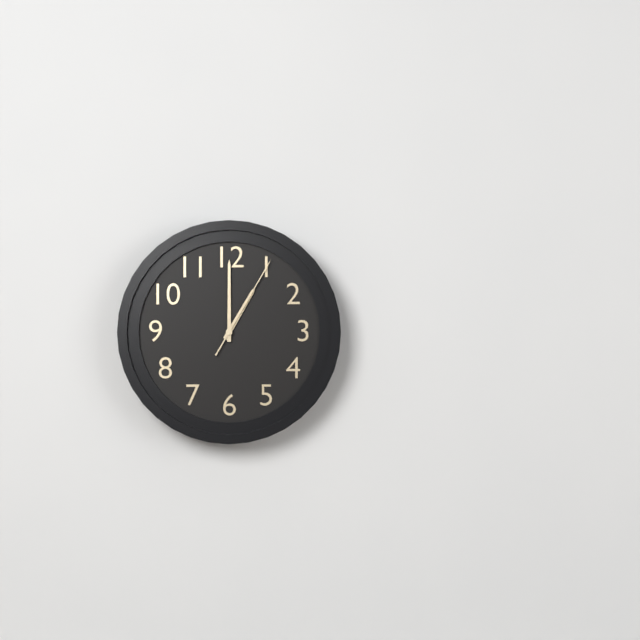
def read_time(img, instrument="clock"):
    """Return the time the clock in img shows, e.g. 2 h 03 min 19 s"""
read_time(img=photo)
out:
1 h 00 min 05 s
